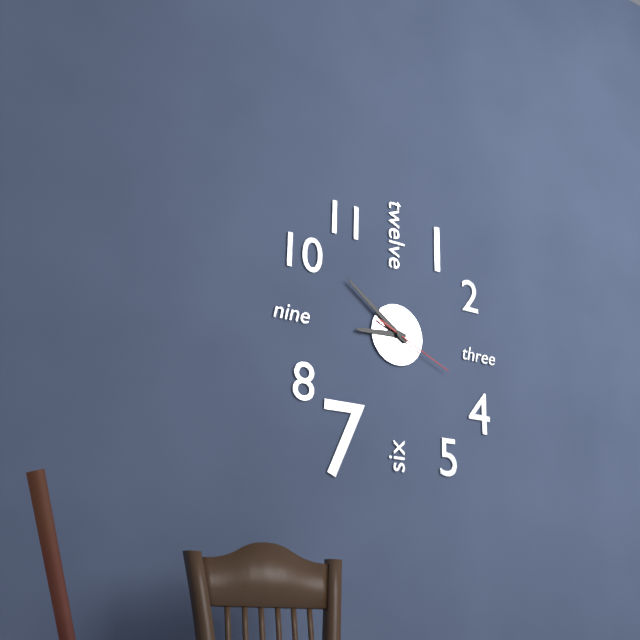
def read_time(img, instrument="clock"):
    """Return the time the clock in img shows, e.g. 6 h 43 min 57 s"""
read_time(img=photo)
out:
8 h 51 min 19 s
